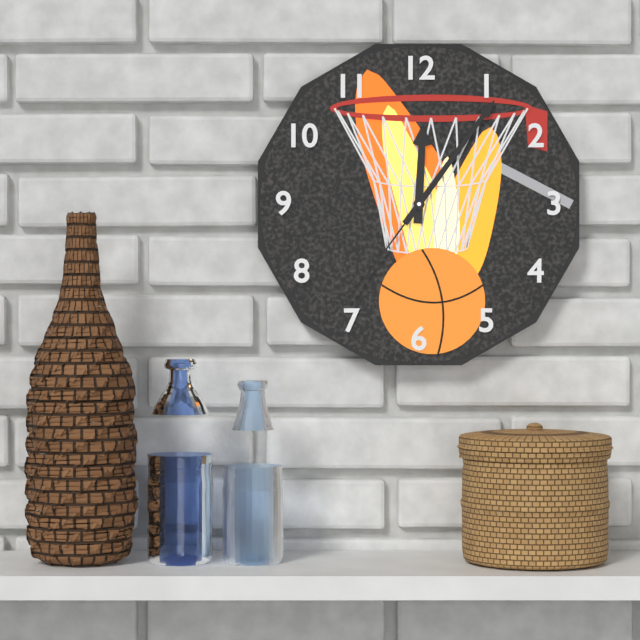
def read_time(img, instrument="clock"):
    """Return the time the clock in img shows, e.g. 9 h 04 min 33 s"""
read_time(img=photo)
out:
12 h 06 min 36 s
